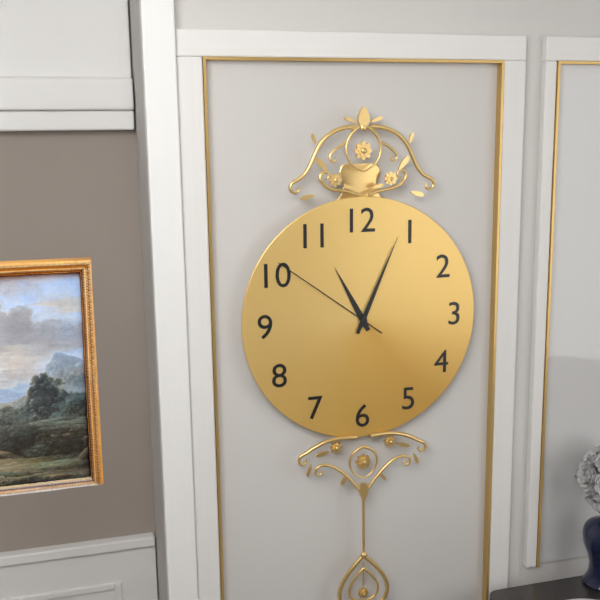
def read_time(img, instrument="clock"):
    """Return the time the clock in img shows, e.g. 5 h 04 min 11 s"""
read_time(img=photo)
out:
11 h 04 min 51 s
